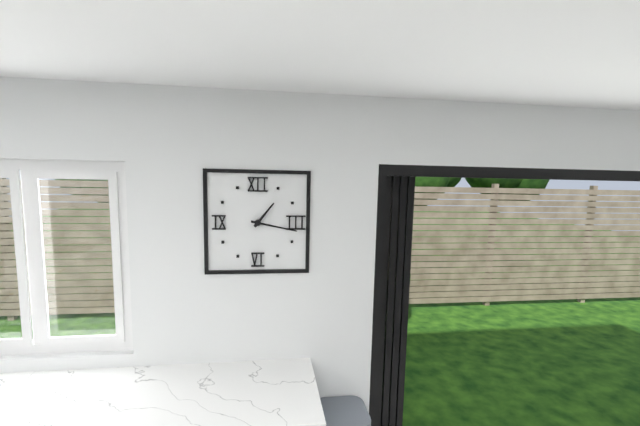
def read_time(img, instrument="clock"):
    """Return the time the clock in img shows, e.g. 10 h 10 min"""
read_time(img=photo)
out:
1 h 17 min
